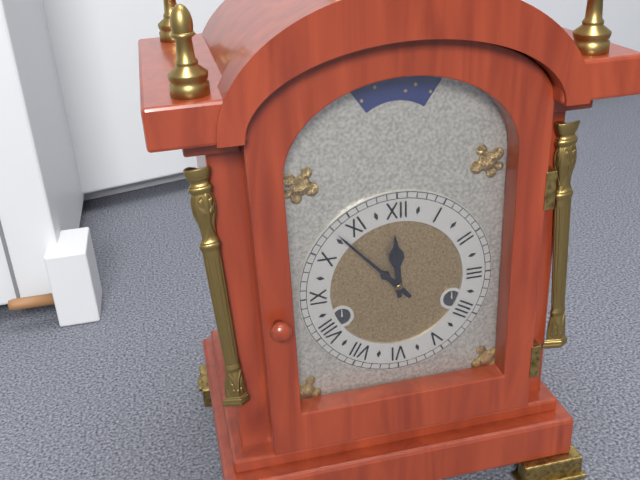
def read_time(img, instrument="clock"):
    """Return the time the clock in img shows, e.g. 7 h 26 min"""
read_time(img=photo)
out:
11 h 53 min
